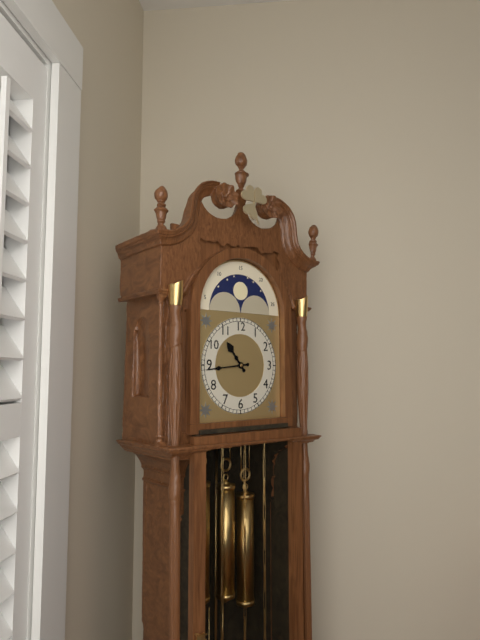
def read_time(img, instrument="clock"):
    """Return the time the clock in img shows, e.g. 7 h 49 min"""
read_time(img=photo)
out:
10 h 44 min
